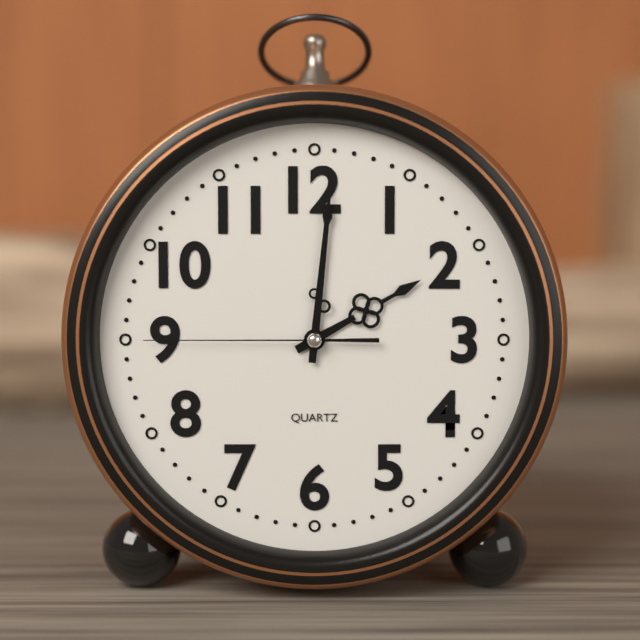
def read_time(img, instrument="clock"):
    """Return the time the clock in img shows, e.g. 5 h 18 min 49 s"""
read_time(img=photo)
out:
2 h 01 min 45 s
